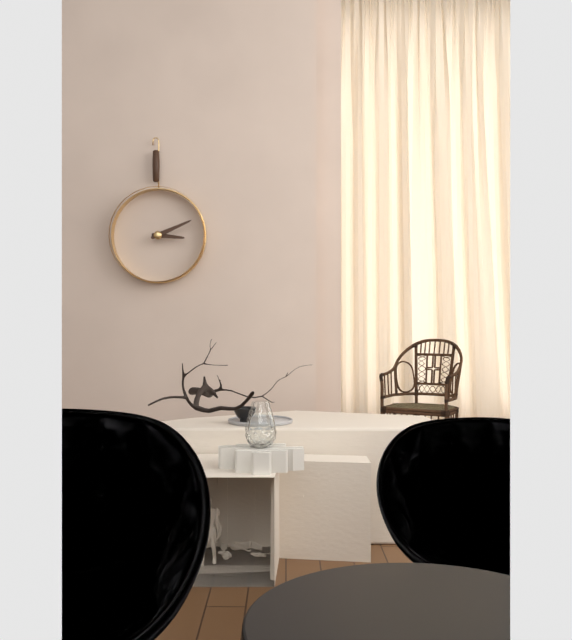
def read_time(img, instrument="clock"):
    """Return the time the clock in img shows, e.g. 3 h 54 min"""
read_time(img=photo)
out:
3 h 11 min
